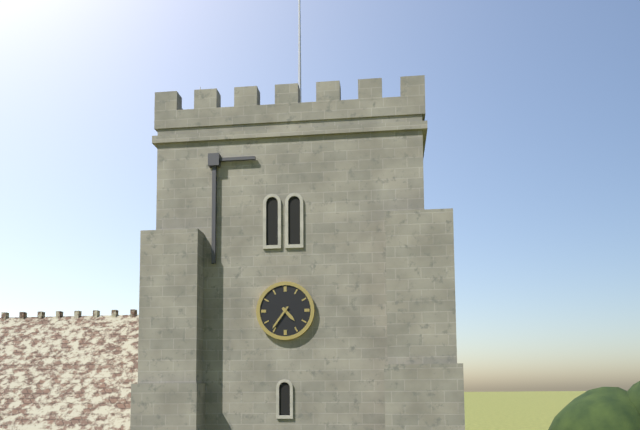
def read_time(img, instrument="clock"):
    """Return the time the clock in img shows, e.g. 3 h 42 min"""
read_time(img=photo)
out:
4 h 36 min
